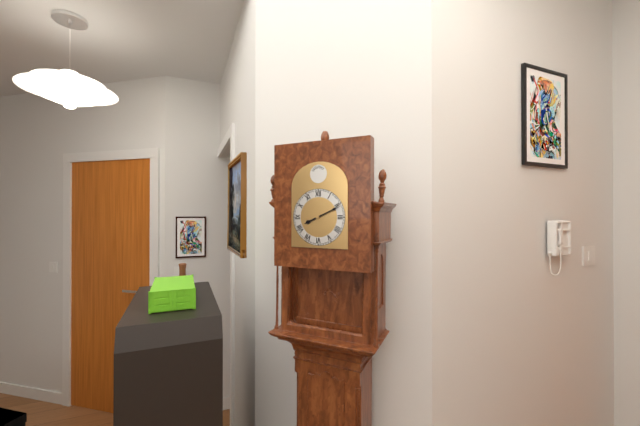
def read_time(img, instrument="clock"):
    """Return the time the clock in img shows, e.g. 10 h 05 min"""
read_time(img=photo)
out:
8 h 11 min
